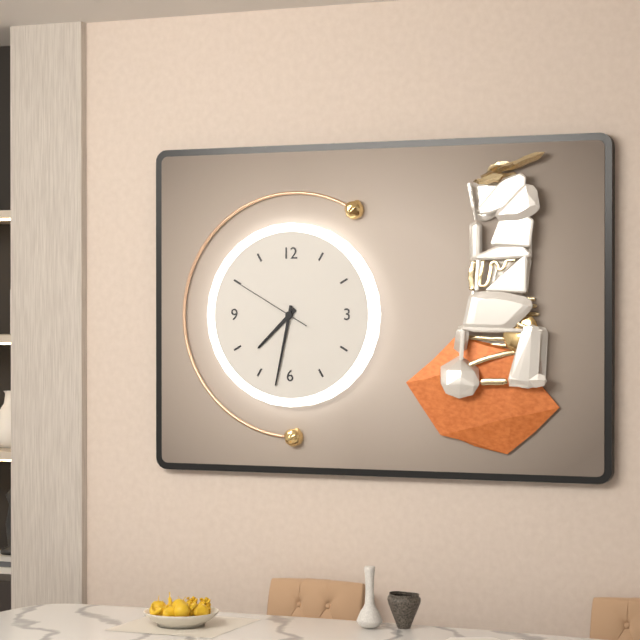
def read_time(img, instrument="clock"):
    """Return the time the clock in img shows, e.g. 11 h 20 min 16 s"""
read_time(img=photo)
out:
7 h 32 min 50 s
